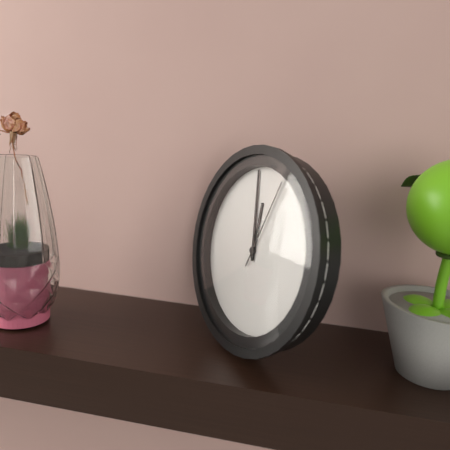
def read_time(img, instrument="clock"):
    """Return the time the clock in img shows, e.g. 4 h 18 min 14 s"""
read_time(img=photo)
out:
11 h 58 min 03 s
